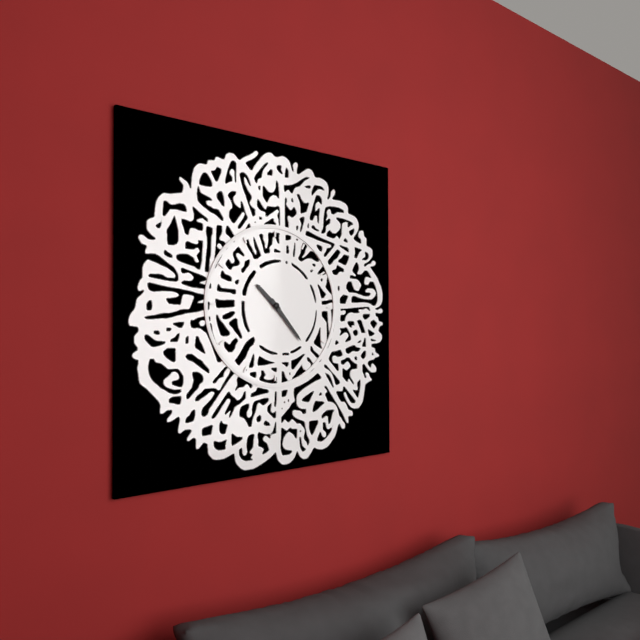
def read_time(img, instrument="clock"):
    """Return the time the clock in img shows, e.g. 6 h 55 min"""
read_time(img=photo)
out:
10 h 23 min
